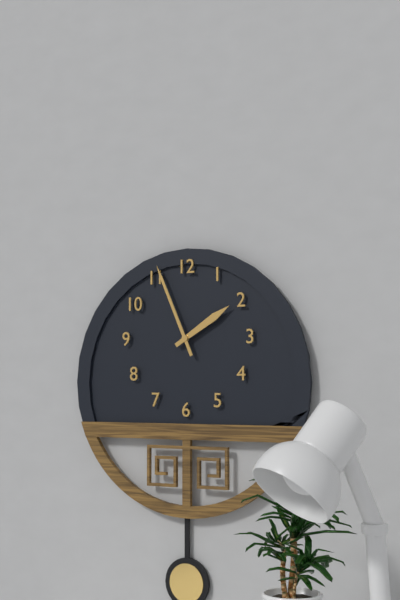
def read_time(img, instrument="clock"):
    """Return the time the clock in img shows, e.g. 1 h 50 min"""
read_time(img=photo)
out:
1 h 56 min
